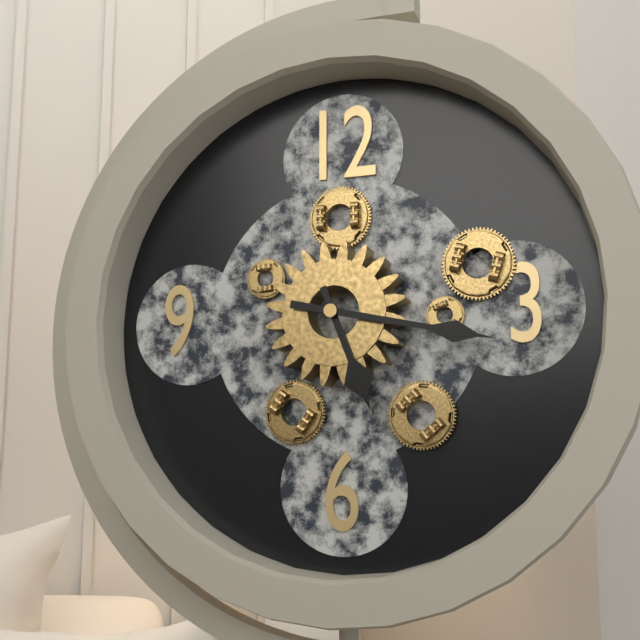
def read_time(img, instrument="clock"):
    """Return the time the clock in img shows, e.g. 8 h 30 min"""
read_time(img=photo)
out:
5 h 17 min
